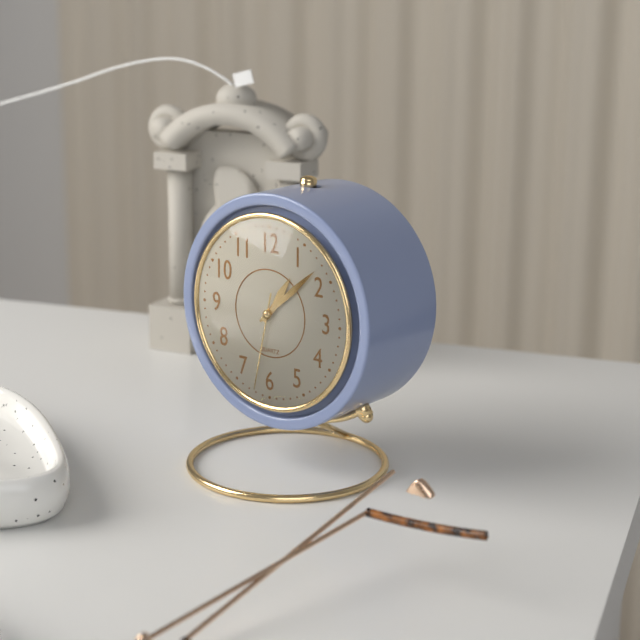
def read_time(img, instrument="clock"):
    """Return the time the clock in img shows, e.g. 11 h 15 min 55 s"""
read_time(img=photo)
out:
1 h 08 min 32 s
